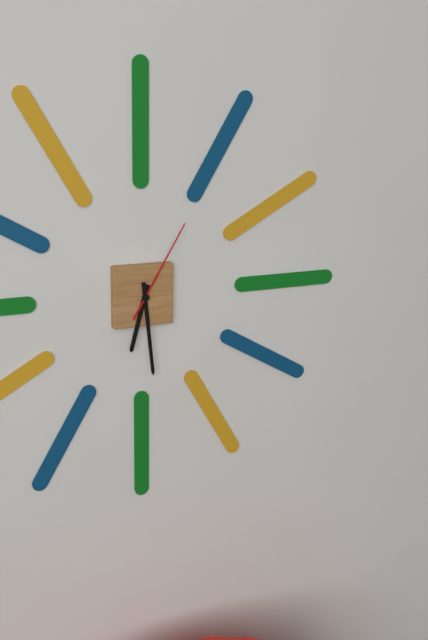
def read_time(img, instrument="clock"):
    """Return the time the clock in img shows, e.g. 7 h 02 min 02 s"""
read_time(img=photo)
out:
6 h 29 min 05 s
